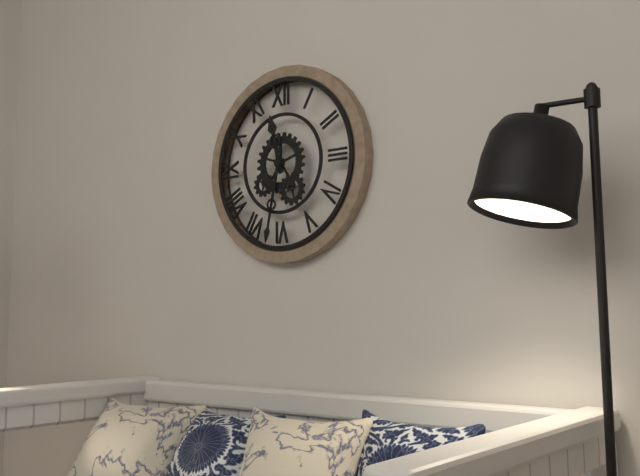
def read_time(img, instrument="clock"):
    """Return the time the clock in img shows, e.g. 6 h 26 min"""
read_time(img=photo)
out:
11 h 32 min
